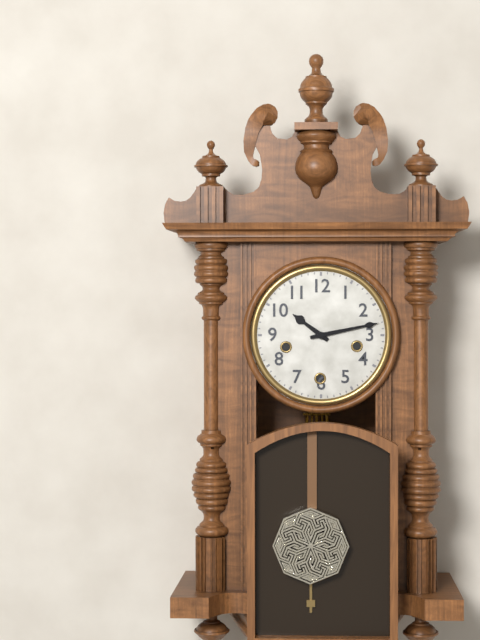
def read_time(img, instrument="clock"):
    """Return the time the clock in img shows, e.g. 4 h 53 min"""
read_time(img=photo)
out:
10 h 13 min
